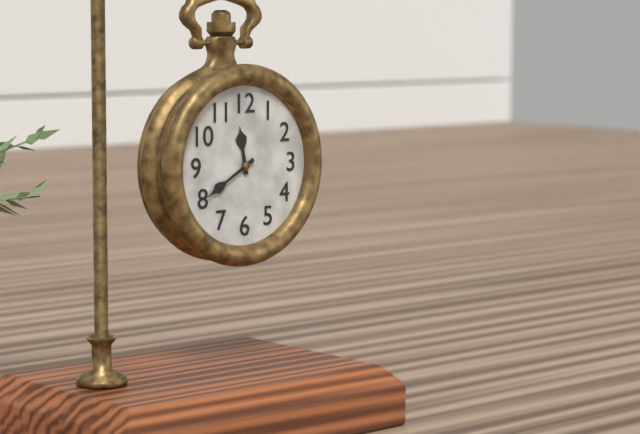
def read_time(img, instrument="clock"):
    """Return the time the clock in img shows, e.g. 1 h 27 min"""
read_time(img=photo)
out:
11 h 40 min
